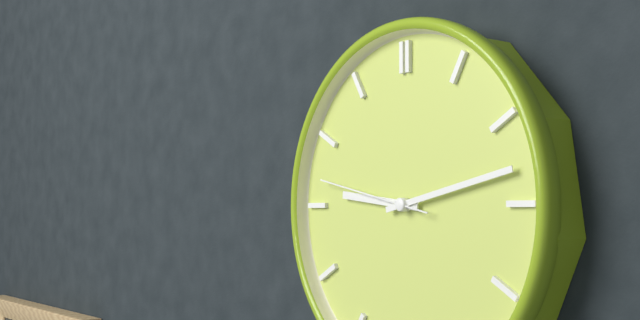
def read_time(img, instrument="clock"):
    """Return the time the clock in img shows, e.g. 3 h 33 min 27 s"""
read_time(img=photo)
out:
9 h 13 min 47 s
